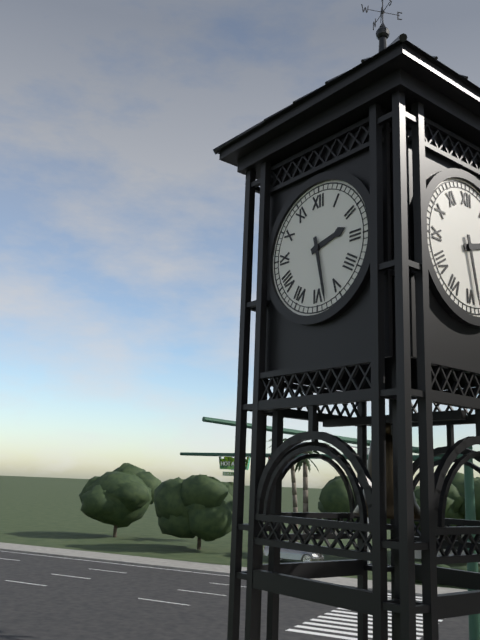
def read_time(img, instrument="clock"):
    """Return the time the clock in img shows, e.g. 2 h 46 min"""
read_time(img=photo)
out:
2 h 28 min
